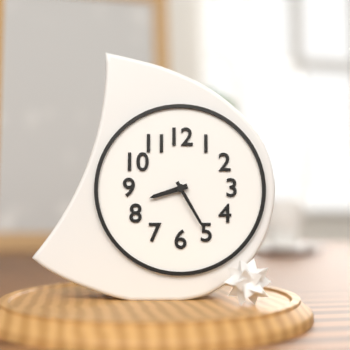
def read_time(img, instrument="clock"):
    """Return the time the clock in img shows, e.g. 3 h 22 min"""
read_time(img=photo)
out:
8 h 25 min
